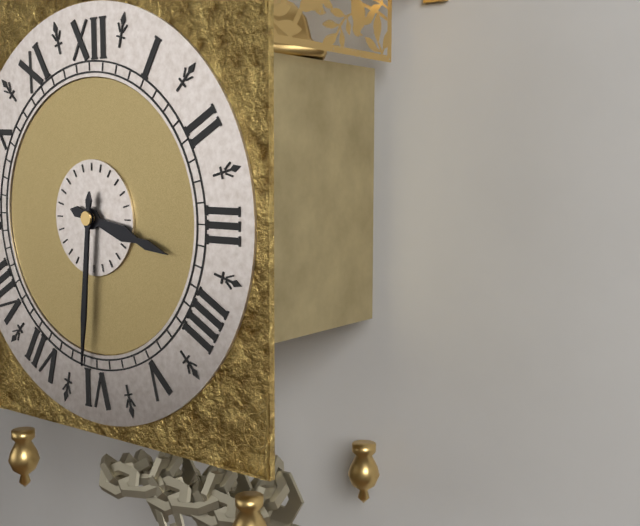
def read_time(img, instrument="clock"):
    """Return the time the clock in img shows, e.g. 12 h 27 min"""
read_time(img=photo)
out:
3 h 31 min
